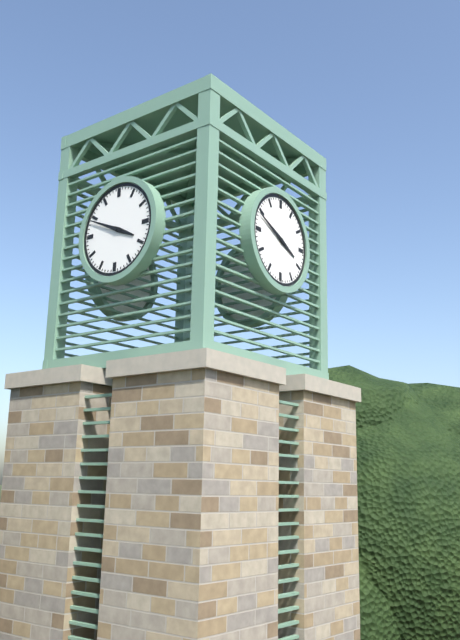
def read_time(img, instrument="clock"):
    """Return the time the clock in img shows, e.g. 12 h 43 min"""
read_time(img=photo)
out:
3 h 49 min
